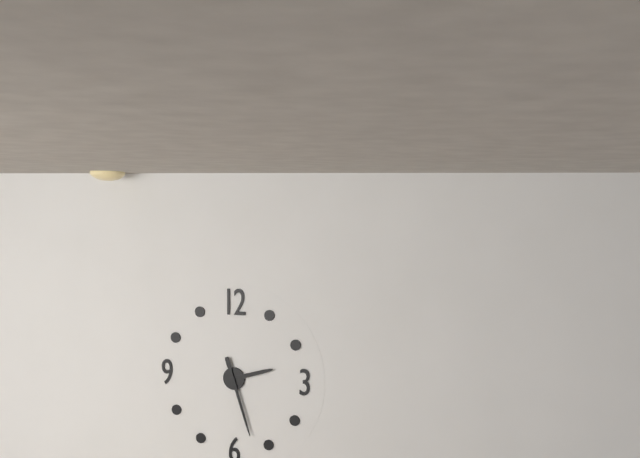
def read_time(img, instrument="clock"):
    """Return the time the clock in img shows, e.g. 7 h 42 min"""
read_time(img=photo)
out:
2 h 27 min
